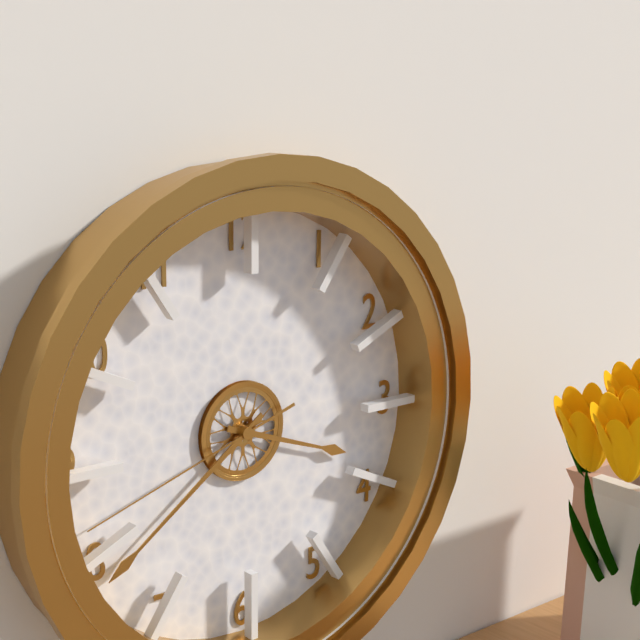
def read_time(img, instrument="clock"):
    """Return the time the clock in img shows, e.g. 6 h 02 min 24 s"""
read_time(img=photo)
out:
3 h 39 min 42 s
